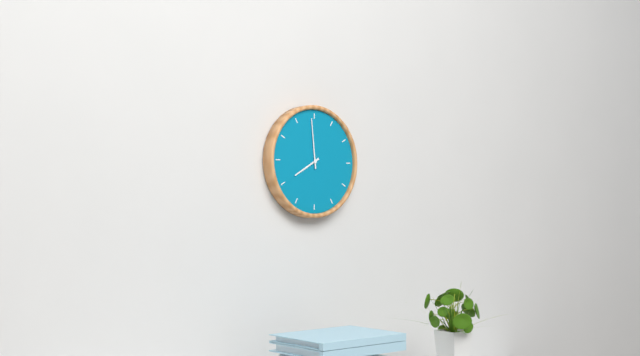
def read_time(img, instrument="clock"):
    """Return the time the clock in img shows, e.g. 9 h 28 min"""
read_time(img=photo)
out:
7 h 59 min
